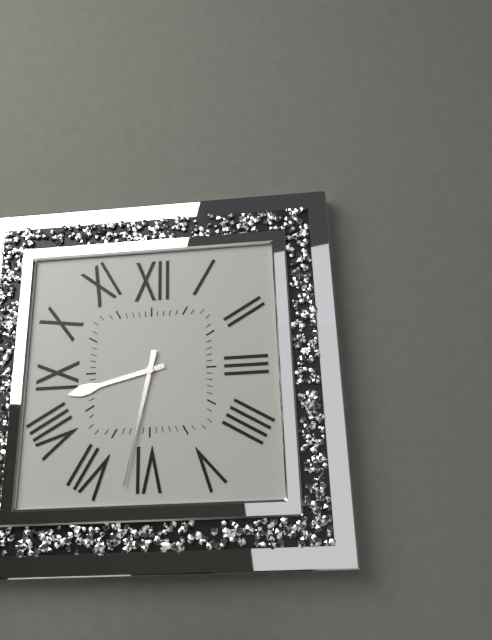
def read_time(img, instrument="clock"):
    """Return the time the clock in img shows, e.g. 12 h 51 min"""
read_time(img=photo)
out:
8 h 32 min
